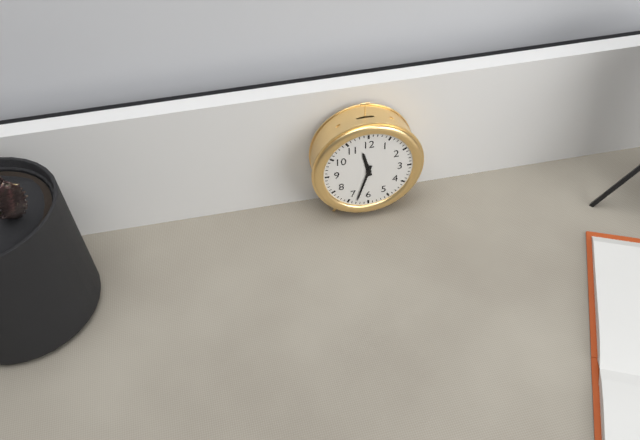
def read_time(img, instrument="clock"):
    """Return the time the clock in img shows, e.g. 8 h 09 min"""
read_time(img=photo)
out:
11 h 33 min
